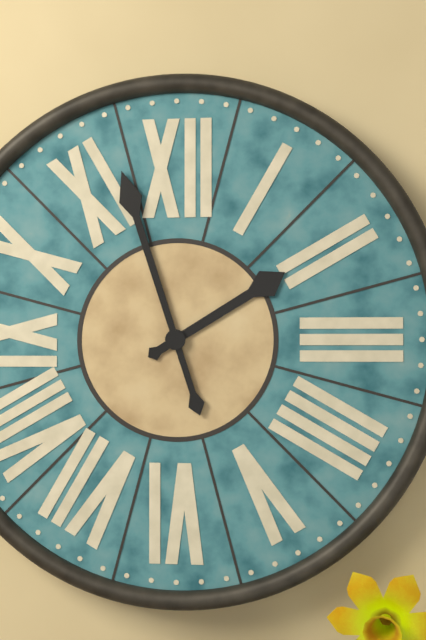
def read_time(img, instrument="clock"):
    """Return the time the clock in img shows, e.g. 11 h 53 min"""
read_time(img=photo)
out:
1 h 57 min
